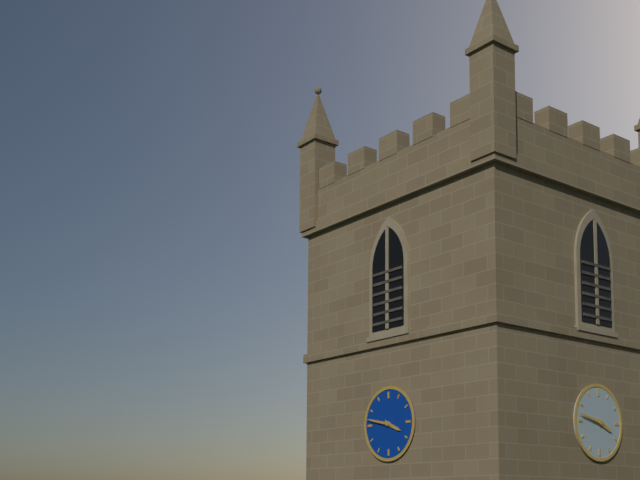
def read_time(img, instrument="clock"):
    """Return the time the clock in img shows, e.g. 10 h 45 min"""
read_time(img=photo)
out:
3 h 47 min
